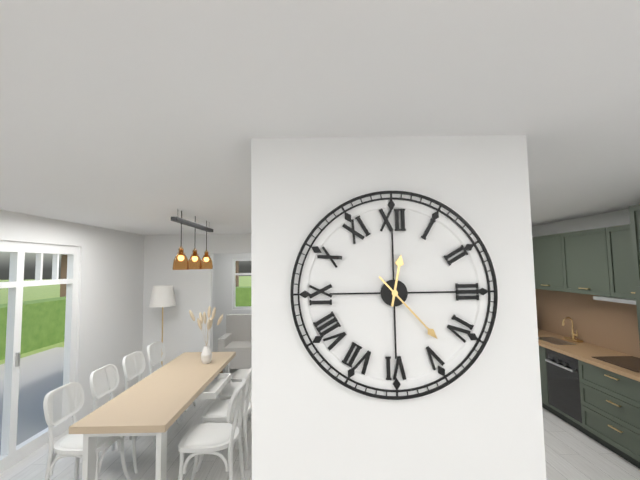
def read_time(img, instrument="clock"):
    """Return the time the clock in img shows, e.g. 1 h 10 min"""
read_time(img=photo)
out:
12 h 23 min
